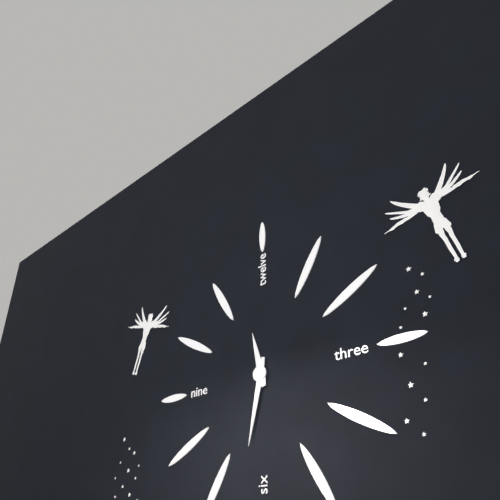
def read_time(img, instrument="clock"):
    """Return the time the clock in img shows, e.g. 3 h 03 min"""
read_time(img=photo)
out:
11 h 32 min
